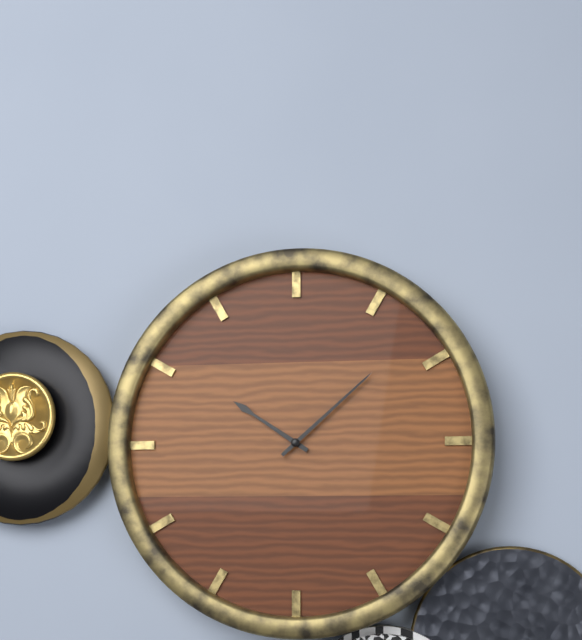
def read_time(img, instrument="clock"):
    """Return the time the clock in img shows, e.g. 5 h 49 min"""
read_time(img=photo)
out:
10 h 08 min
